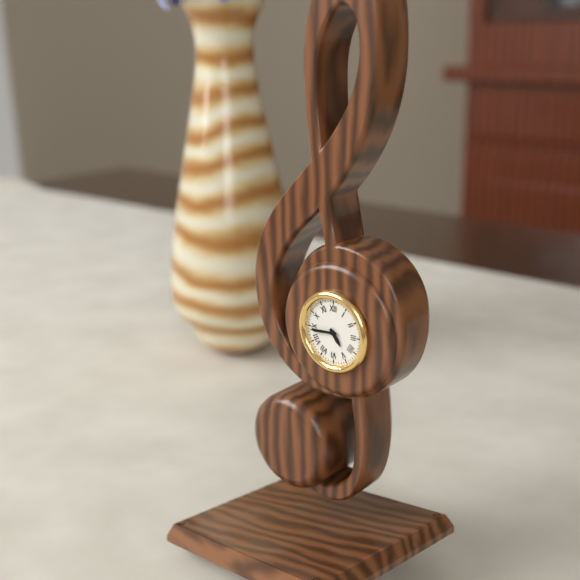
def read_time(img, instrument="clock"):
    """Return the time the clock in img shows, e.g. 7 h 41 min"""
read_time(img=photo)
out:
4 h 44 min
